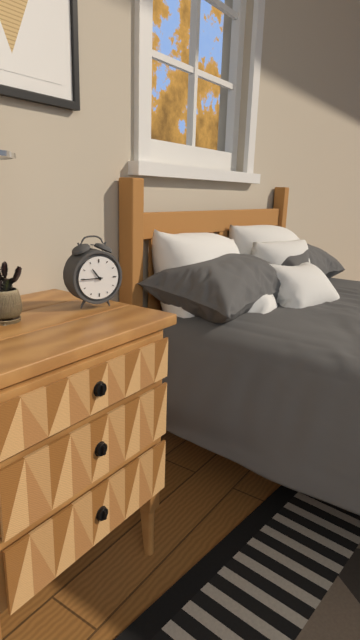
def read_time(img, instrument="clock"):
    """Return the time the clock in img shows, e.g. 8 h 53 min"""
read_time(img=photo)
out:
10 h 45 min
